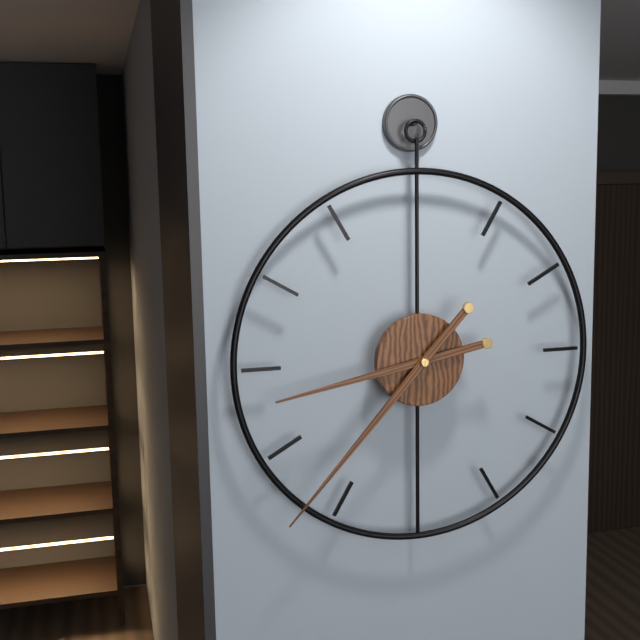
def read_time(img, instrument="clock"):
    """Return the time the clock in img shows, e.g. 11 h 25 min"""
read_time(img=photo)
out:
8 h 37 min
